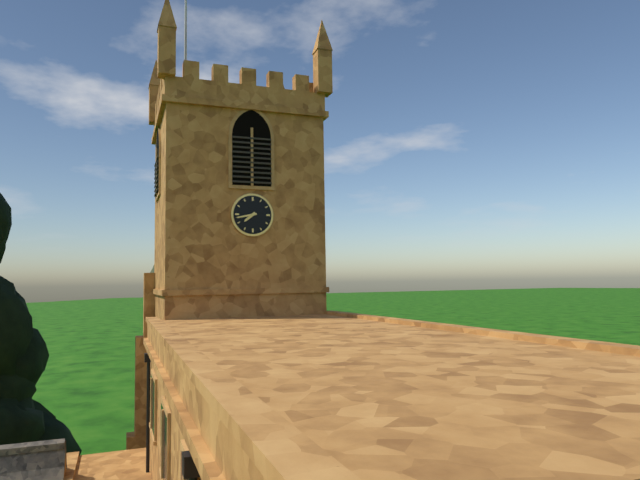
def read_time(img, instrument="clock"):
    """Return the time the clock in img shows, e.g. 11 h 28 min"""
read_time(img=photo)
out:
7 h 43 min
